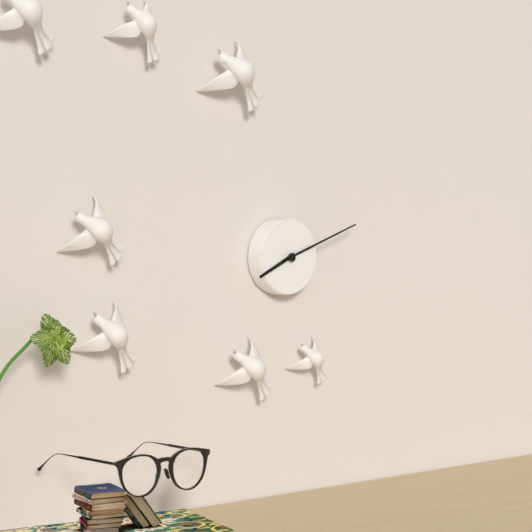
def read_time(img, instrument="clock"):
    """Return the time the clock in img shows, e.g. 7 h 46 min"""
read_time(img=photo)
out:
8 h 12 min
